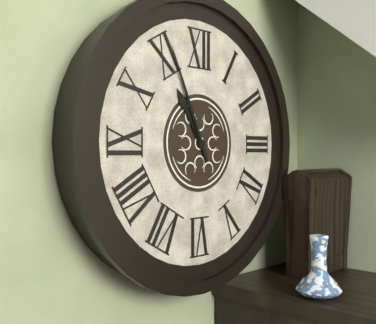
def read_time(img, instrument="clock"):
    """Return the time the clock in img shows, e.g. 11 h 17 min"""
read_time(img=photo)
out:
10 h 56 min
